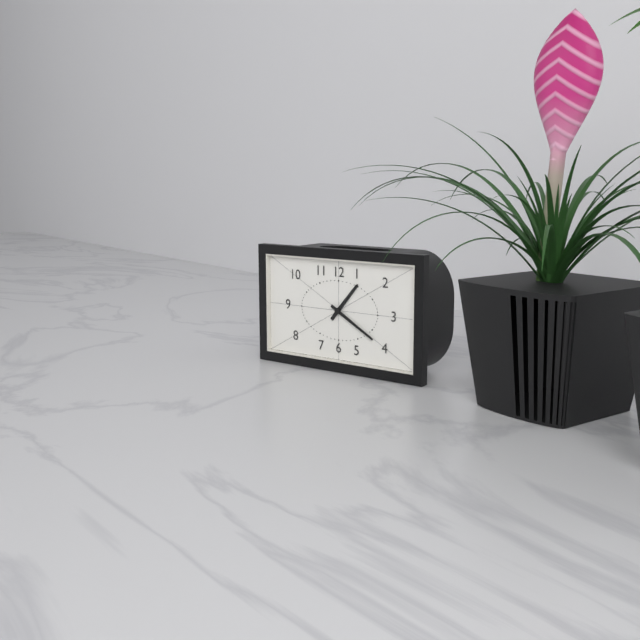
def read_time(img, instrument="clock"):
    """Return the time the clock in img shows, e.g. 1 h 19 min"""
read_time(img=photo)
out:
1 h 20 min
